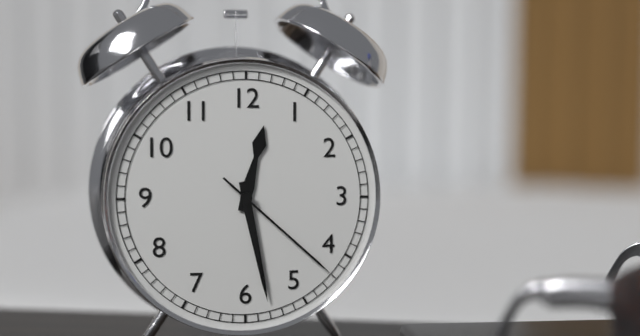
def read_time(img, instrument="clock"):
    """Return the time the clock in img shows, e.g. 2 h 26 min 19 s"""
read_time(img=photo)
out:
12 h 28 min 22 s
